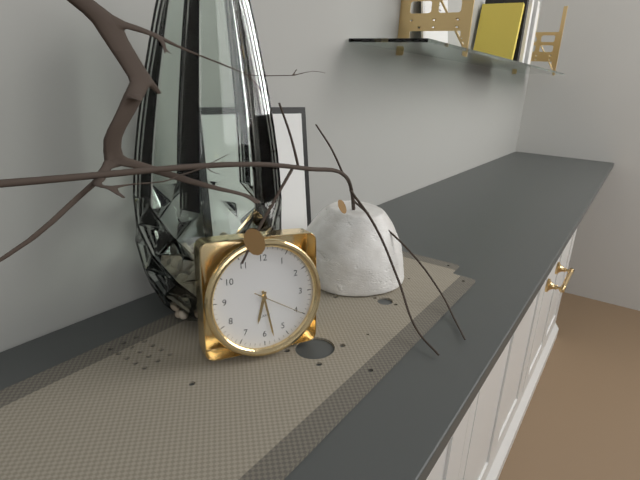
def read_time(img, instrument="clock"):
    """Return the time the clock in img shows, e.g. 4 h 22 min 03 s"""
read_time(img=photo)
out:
6 h 28 min 20 s
